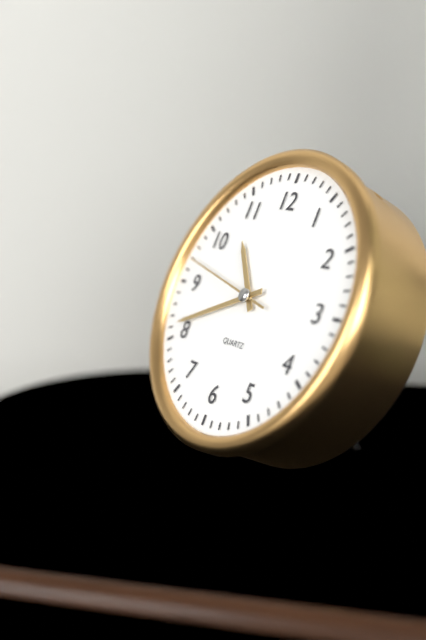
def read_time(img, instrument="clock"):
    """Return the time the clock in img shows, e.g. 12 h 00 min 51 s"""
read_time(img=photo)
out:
10 h 41 min 47 s
